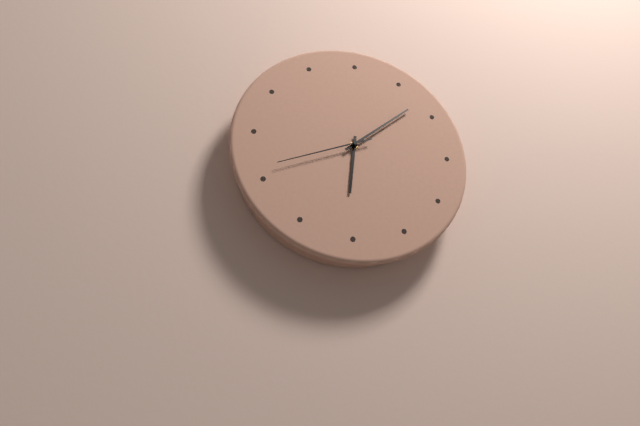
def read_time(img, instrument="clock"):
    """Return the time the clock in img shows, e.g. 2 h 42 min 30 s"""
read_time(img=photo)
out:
6 h 08 min 41 s
